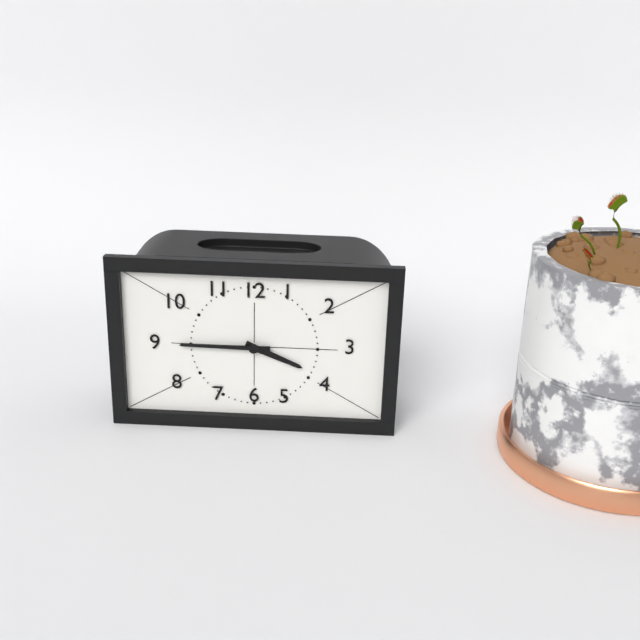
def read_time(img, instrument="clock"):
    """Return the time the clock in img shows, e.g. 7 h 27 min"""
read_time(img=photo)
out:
3 h 45 min
